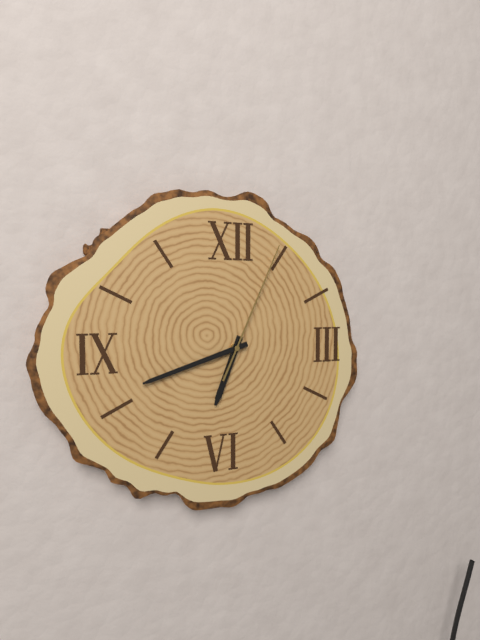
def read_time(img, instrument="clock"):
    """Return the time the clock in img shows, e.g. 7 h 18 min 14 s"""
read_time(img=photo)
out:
6 h 42 min 04 s
